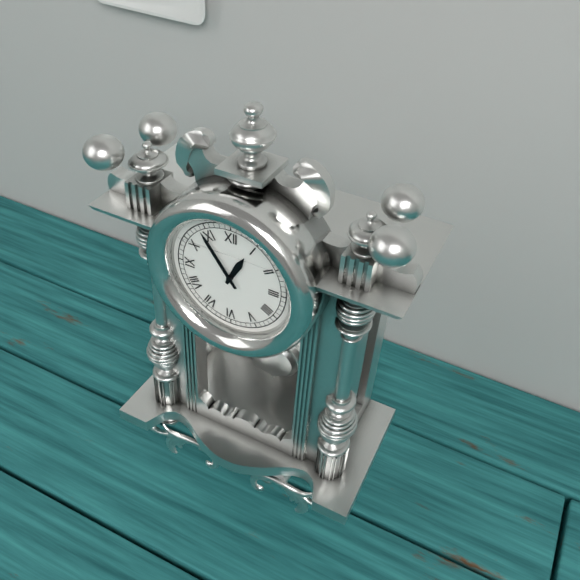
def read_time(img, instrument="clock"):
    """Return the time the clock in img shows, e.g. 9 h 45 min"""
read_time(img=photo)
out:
12 h 54 min
